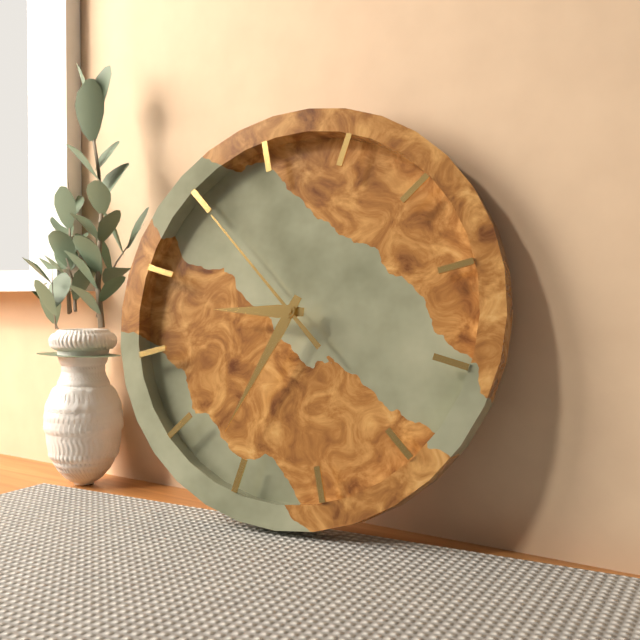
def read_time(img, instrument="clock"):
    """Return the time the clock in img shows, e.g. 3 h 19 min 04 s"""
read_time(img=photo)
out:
8 h 32 min 50 s
